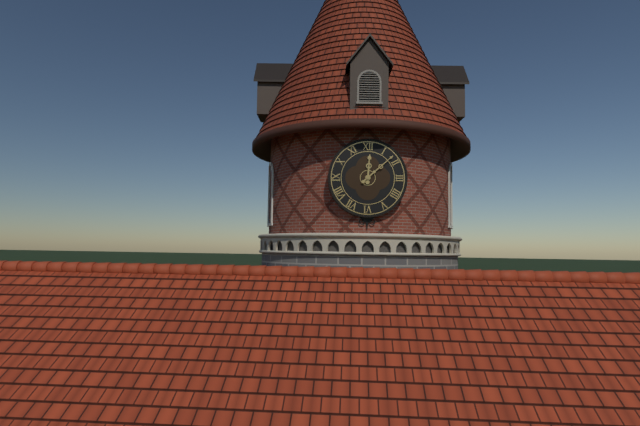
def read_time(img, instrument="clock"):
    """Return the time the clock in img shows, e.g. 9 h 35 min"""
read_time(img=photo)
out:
12 h 08 min
